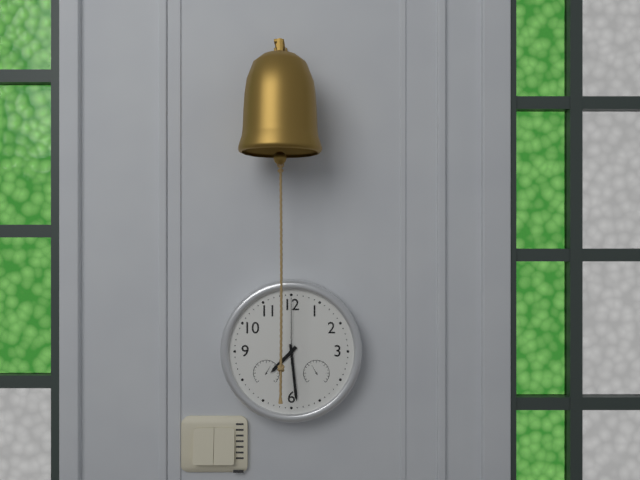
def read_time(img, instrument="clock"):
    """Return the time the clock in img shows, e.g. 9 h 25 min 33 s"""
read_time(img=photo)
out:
7 h 29 min 00 s
